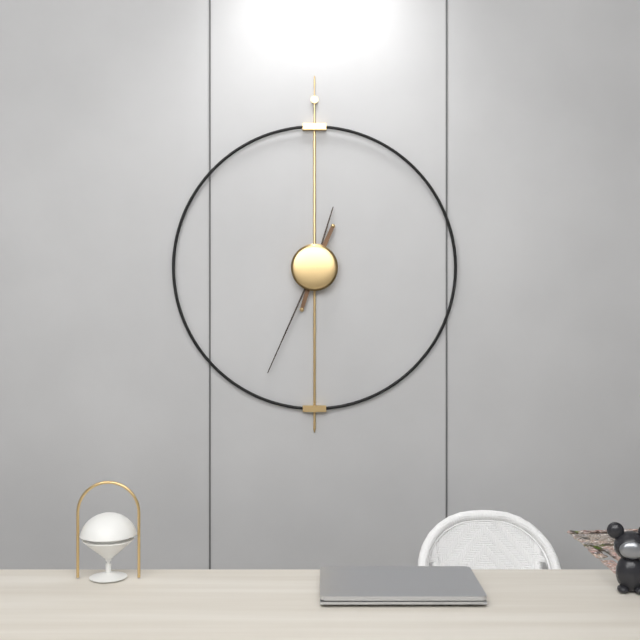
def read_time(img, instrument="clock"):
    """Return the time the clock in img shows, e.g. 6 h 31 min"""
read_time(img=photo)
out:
12 h 34 min
